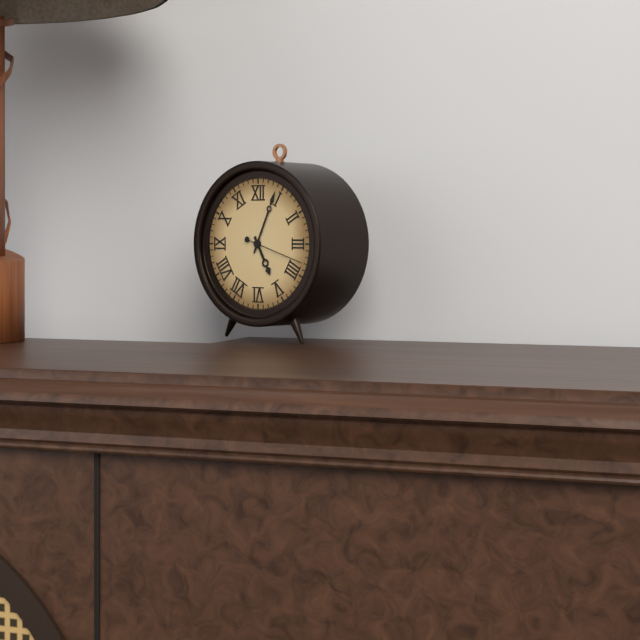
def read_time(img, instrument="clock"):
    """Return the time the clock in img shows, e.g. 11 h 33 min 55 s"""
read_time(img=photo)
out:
5 h 04 min 18 s
